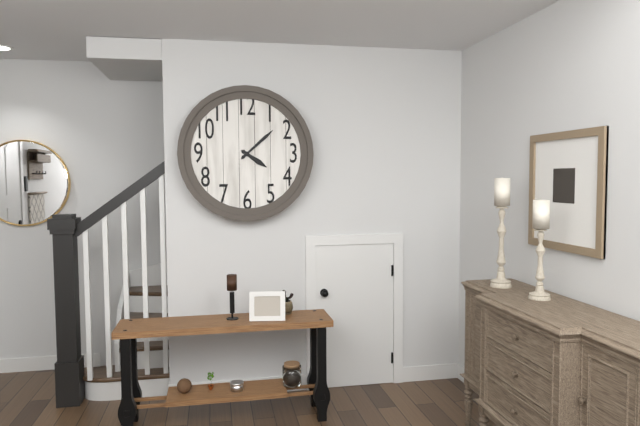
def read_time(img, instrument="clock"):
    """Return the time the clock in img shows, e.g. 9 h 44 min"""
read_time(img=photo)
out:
4 h 08 min
